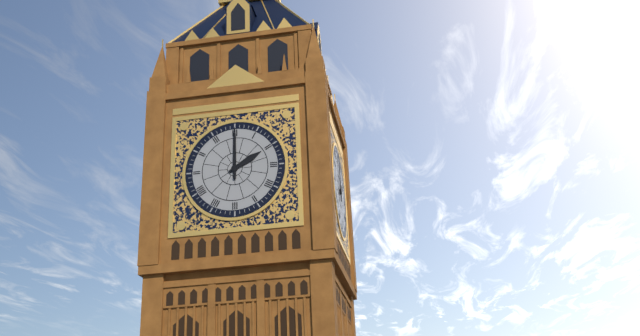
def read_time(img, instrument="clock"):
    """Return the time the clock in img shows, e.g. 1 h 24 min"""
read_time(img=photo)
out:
2 h 00 min
